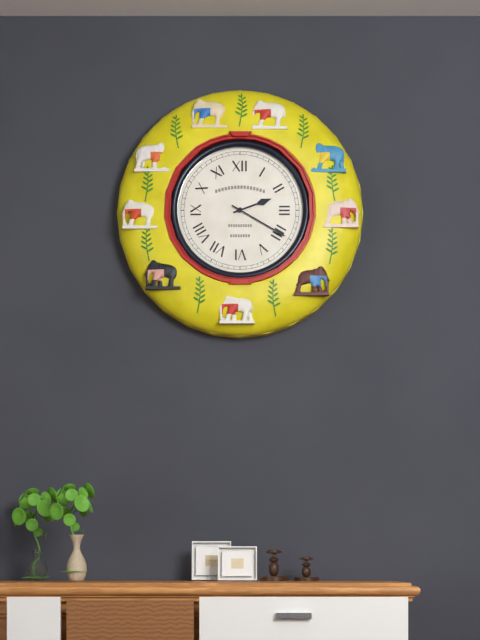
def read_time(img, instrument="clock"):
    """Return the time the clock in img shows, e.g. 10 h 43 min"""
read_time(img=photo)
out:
2 h 20 min
